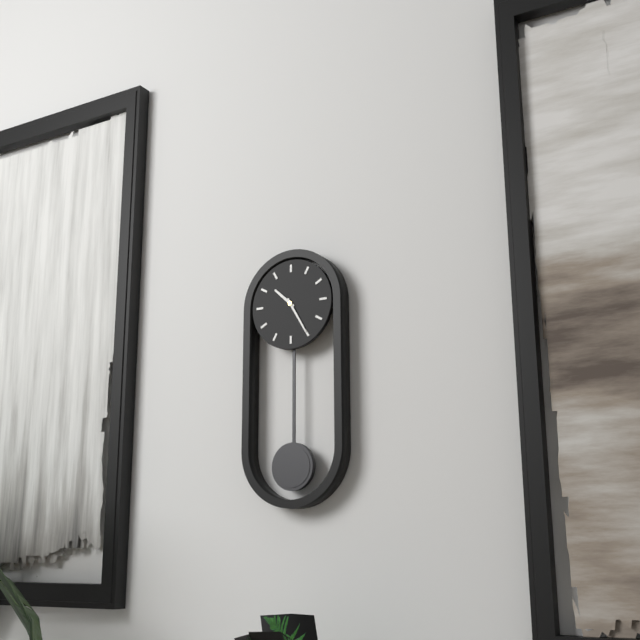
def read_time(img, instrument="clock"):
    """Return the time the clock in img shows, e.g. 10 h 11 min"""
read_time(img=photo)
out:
10 h 25 min
